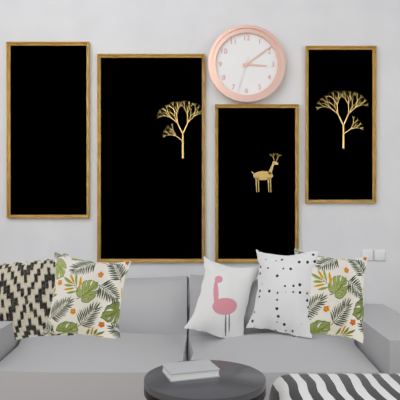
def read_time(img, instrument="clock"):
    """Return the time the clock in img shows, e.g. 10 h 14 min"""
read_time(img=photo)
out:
3 h 09 min
